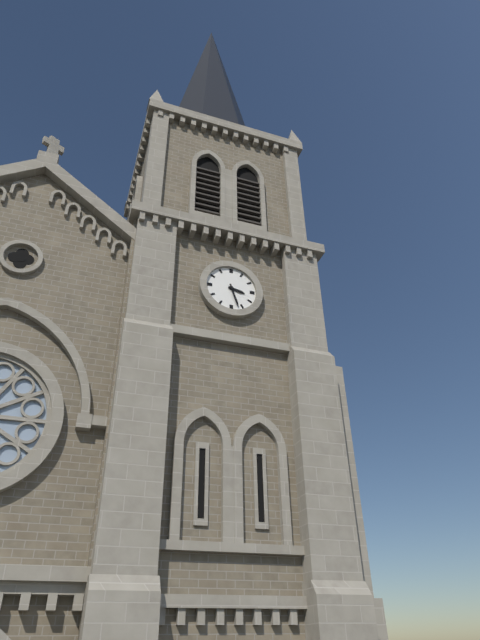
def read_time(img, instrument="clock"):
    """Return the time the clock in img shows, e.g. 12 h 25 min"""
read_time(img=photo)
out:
3 h 27 min
